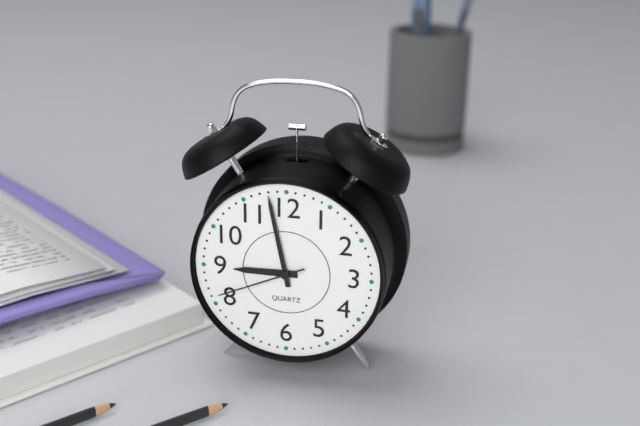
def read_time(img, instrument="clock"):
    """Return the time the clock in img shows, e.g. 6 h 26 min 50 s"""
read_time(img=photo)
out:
8 h 58 min 41 s
